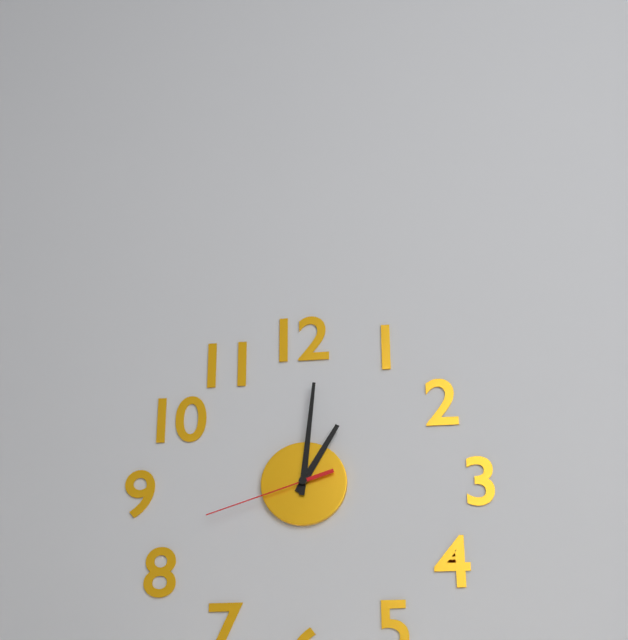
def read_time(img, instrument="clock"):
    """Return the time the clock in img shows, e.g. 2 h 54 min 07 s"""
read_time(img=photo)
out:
1 h 01 min 42 s
